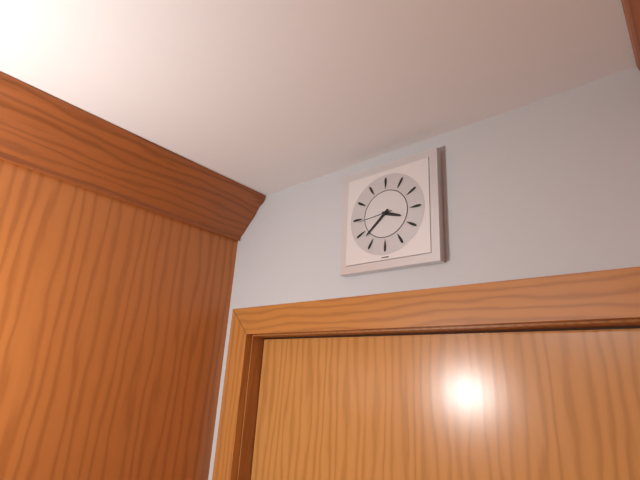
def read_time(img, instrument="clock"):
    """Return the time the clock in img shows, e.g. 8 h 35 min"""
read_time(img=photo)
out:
3 h 38 min
